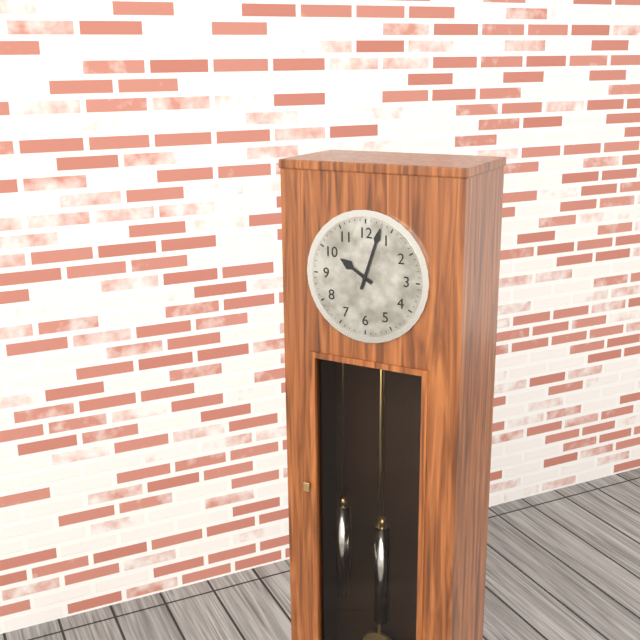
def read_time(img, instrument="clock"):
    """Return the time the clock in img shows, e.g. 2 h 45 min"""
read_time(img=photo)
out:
10 h 03 min
